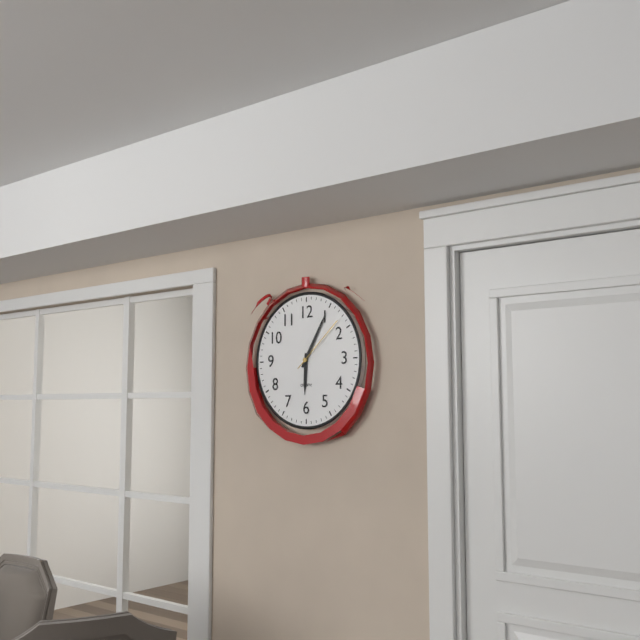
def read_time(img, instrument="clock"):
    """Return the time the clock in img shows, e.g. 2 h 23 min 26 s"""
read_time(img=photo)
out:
6 h 05 min 08 s
